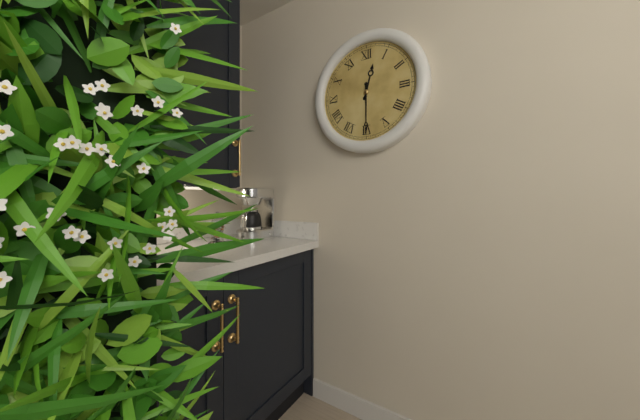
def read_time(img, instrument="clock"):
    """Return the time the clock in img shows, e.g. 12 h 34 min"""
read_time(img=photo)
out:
12 h 30 min
